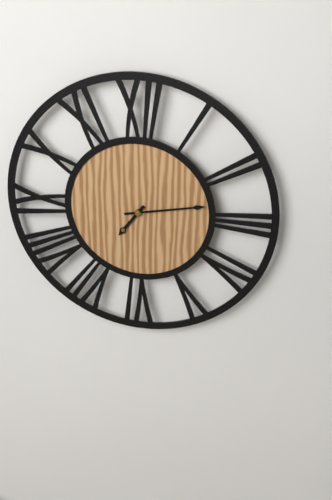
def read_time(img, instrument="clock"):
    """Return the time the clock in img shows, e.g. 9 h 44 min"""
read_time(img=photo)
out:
7 h 13 min
